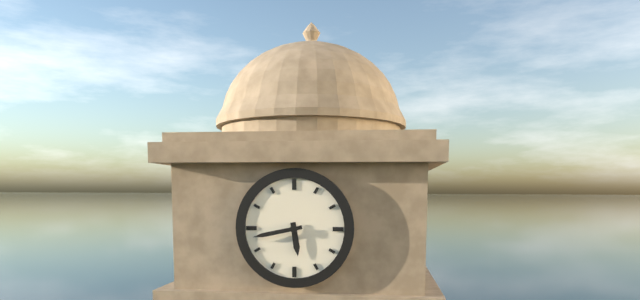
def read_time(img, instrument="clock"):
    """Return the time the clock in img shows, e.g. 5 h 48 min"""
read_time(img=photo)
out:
5 h 43 min
